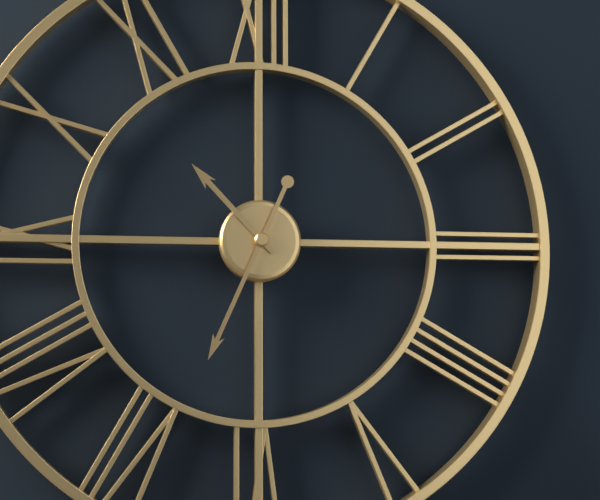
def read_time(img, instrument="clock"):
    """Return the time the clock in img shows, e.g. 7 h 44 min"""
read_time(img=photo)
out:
10 h 34 min
